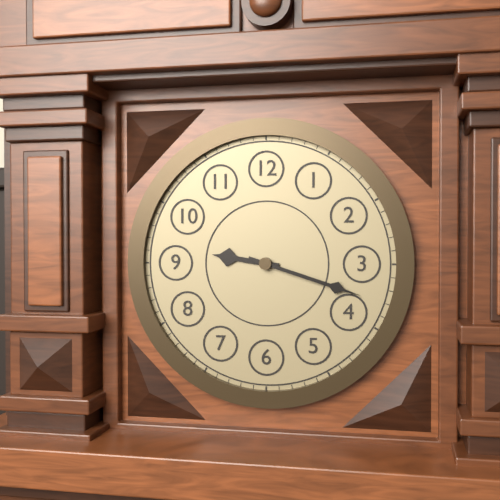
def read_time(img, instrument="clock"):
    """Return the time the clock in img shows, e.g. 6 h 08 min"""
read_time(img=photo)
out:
9 h 18 min
